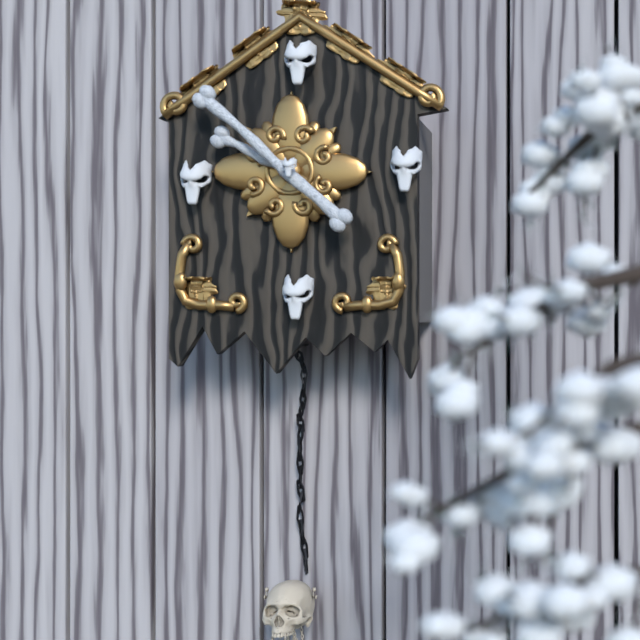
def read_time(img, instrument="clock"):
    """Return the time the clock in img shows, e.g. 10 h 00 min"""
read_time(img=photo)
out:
9 h 52 min
